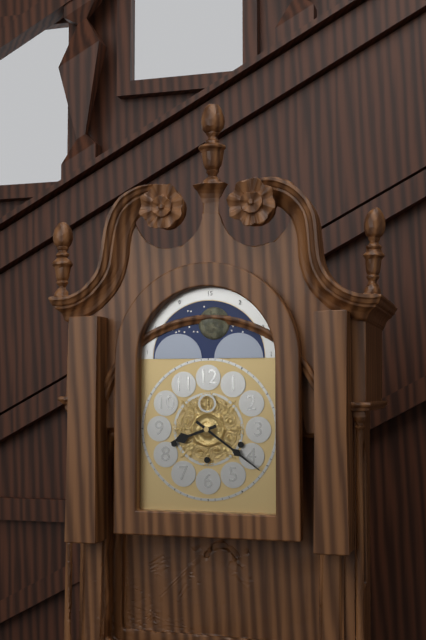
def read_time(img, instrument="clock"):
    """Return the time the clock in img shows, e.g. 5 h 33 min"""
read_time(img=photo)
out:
8 h 21 min
